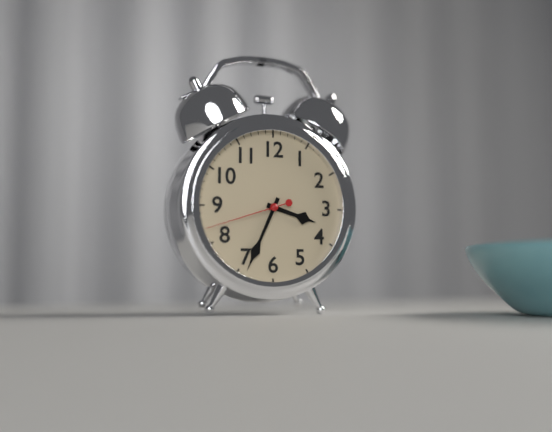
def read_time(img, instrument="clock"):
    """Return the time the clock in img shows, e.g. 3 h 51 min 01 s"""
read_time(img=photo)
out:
3 h 34 min 42 s
